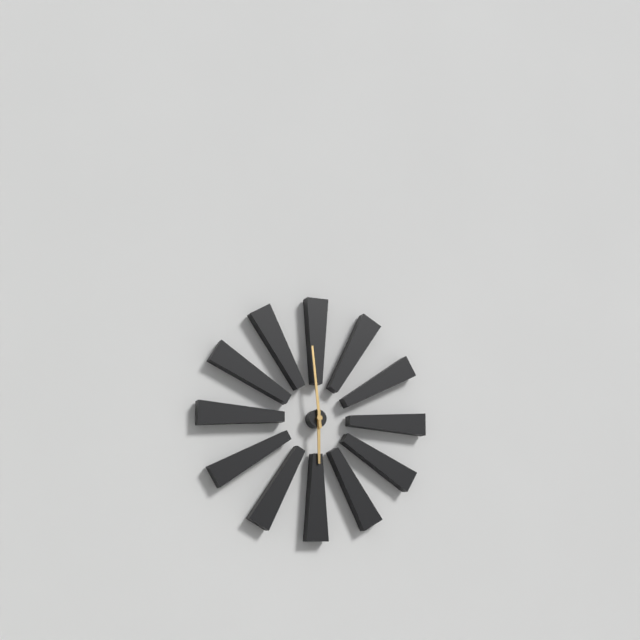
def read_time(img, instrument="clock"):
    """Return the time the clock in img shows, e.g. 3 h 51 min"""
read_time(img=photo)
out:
5 h 59 min
